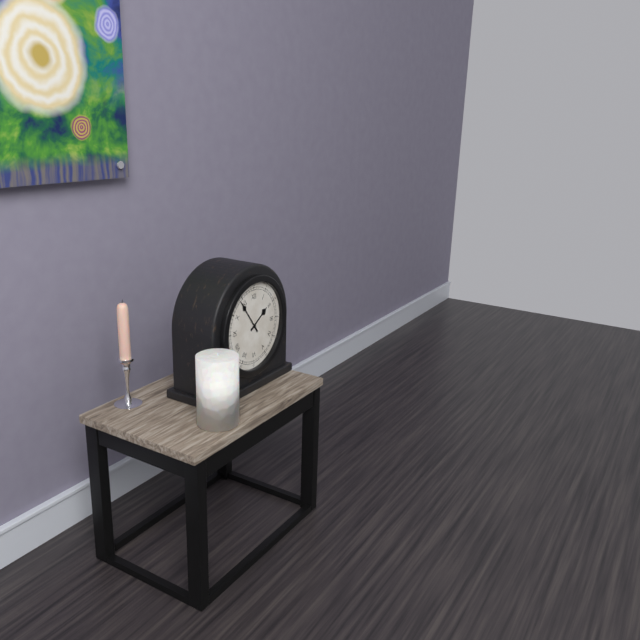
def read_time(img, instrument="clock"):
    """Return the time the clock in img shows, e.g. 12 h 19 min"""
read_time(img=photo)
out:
1 h 54 min
